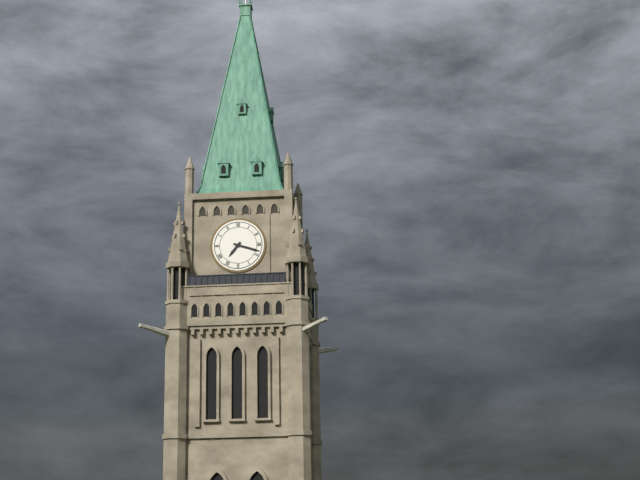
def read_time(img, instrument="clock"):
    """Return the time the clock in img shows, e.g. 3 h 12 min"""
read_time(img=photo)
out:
7 h 18 min
